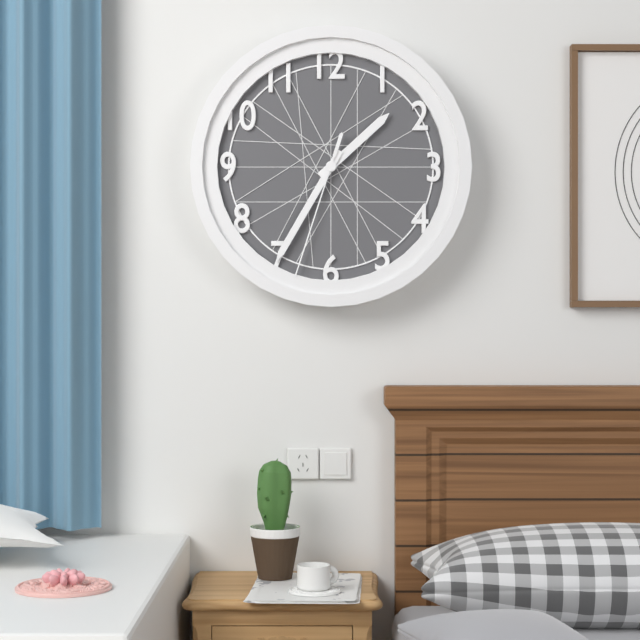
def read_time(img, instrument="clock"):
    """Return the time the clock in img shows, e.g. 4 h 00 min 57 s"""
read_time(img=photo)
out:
1 h 35 min 33 s
